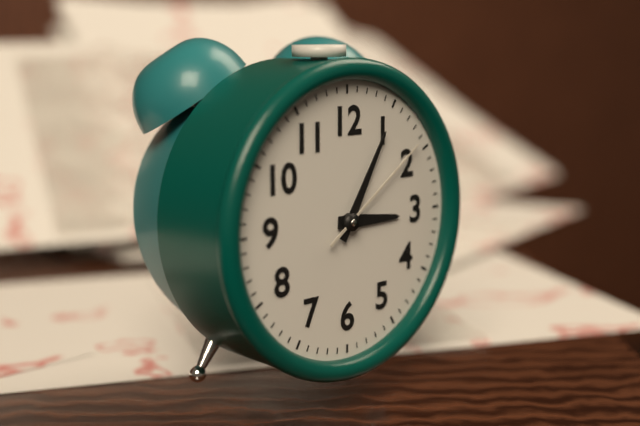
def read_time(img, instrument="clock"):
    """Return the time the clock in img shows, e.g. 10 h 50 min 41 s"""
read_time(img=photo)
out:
3 h 05 min 09 s
